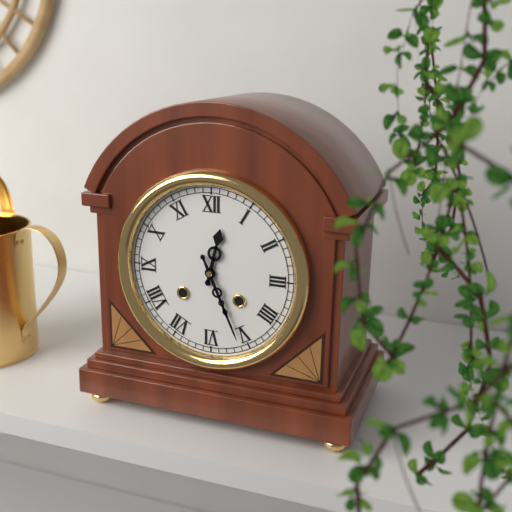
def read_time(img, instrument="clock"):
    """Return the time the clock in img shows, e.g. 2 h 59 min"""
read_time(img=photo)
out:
12 h 26 min
